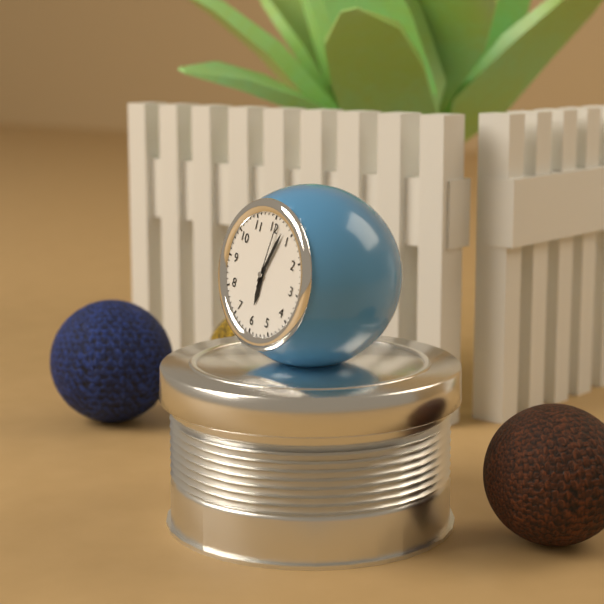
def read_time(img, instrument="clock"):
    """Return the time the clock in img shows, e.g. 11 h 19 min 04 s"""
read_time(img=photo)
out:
6 h 03 min 01 s
